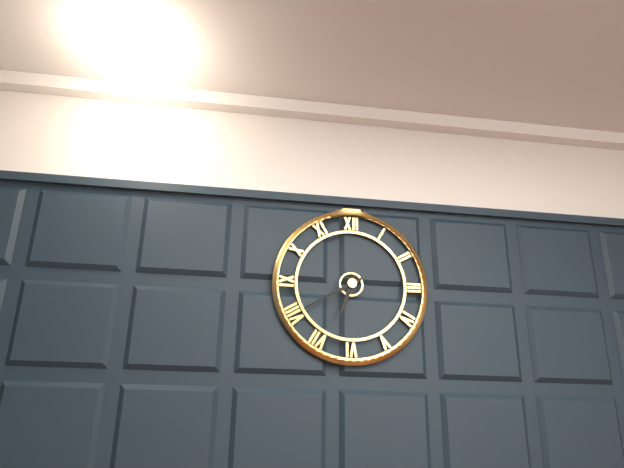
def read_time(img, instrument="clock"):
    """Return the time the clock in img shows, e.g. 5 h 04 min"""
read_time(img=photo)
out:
6 h 40 min
